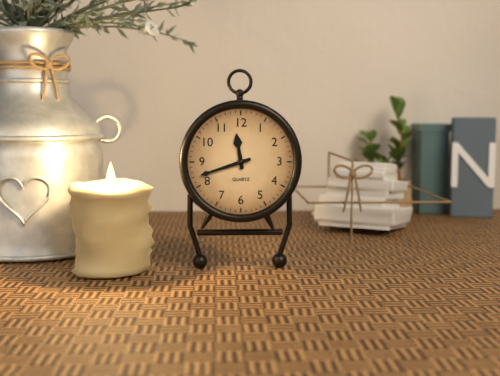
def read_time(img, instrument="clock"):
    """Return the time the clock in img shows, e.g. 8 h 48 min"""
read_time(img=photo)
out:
11 h 42 min
